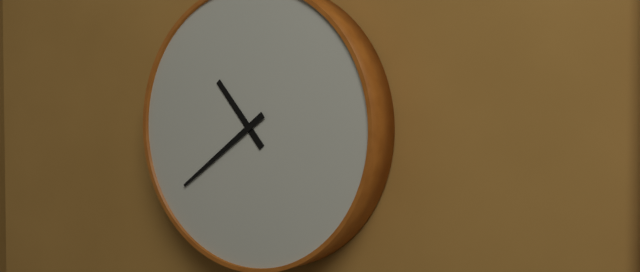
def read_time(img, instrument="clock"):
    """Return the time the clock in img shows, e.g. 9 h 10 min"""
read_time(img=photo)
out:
10 h 39 min
